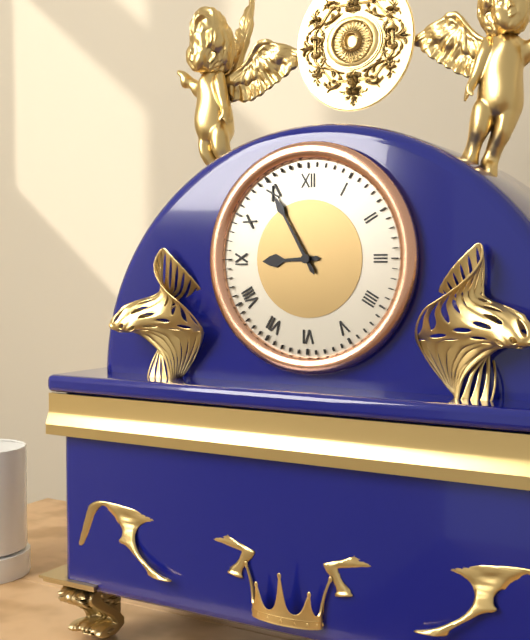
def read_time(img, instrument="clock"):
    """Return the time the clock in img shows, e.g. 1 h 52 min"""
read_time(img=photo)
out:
8 h 55 min
